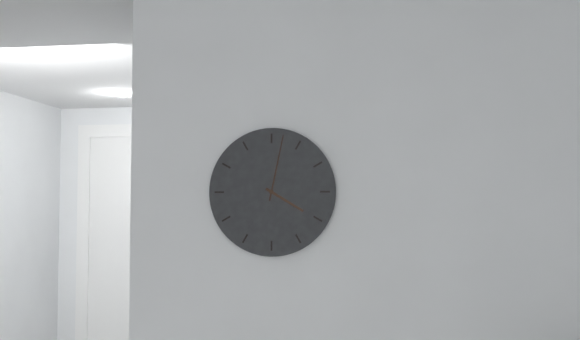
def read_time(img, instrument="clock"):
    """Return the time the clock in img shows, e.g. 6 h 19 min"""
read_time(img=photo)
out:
4 h 02 min
